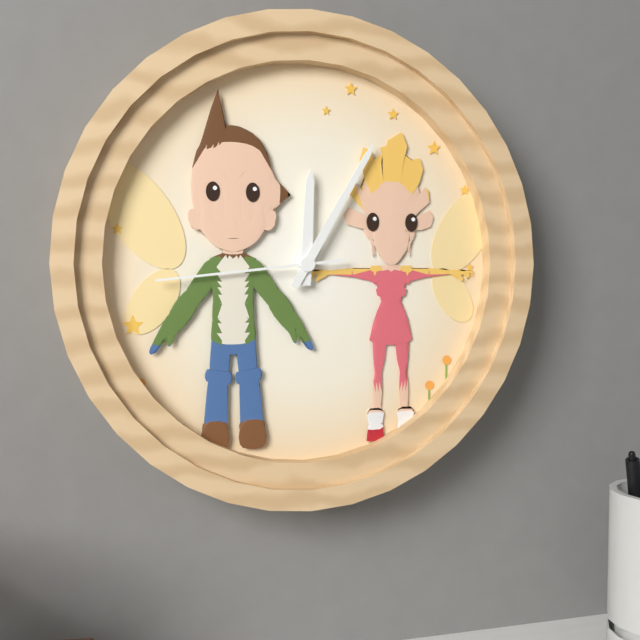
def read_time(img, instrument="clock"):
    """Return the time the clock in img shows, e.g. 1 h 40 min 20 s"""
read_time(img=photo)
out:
12 h 05 min 44 s
